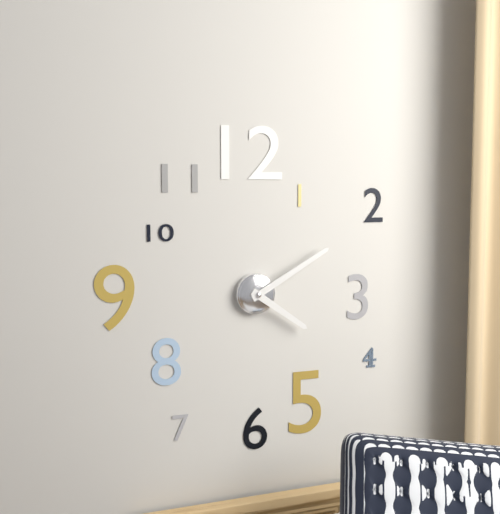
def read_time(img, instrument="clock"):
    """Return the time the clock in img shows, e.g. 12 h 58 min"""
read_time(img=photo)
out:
4 h 10 min
